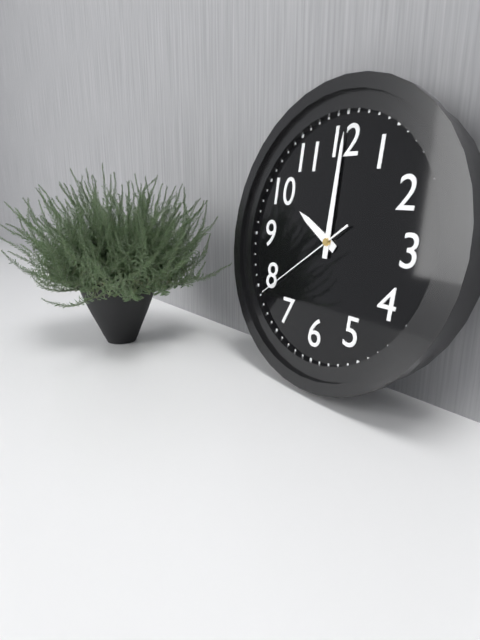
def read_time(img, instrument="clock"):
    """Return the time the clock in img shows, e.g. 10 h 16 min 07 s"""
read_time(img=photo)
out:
10 h 00 min 39 s
